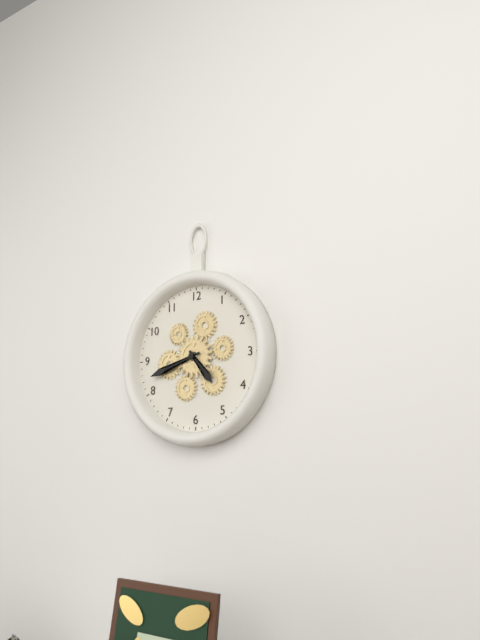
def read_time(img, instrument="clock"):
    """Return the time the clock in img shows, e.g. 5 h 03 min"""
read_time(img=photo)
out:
4 h 42 min
